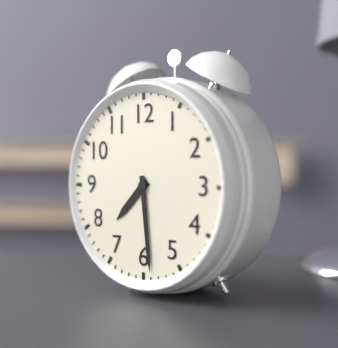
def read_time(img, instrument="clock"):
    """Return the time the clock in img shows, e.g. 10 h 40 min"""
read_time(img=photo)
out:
7 h 29 min
